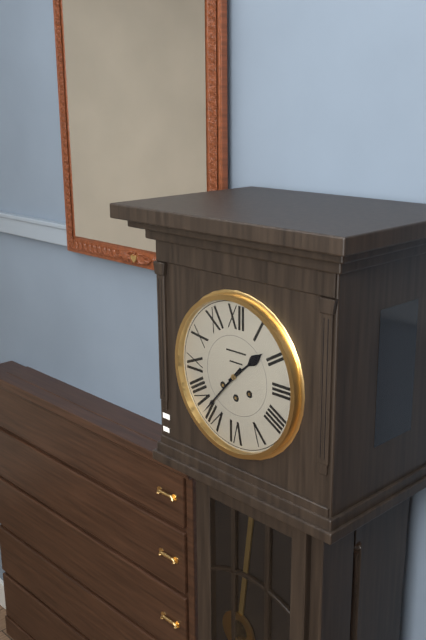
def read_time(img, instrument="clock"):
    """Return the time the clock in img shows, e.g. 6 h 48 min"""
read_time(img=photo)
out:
1 h 37 min
